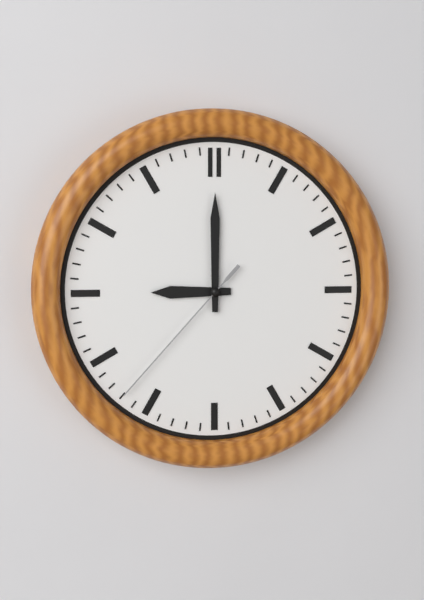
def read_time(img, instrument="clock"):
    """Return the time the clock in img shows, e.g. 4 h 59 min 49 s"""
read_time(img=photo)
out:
9 h 00 min 37 s
